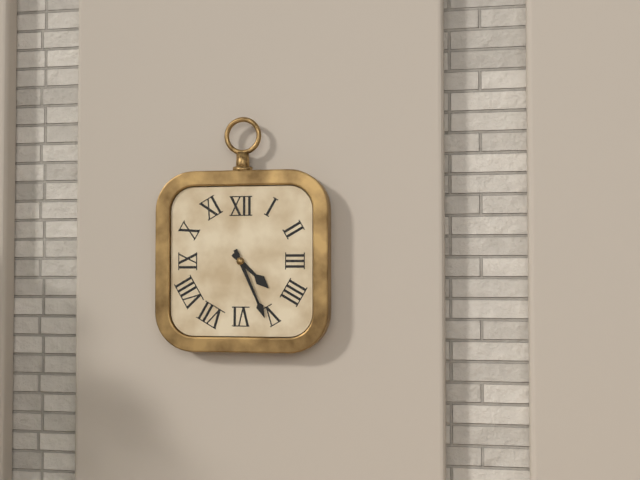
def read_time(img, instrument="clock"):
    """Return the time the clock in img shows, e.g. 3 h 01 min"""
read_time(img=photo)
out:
4 h 26 min
